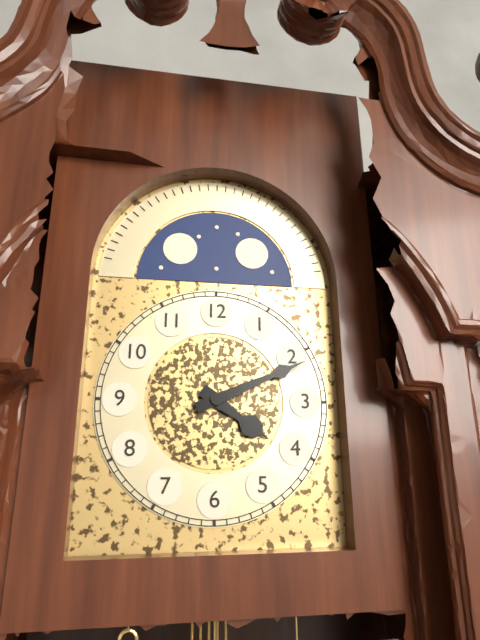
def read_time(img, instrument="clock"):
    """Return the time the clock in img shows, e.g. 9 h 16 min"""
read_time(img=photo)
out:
4 h 11 min
